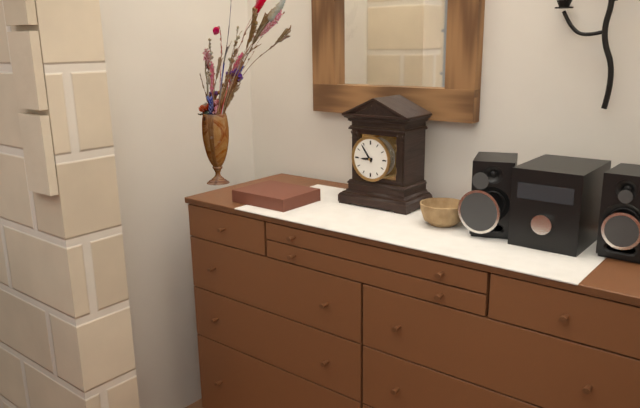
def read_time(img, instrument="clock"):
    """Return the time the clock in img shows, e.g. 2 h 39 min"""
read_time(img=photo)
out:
8 h 54 min
